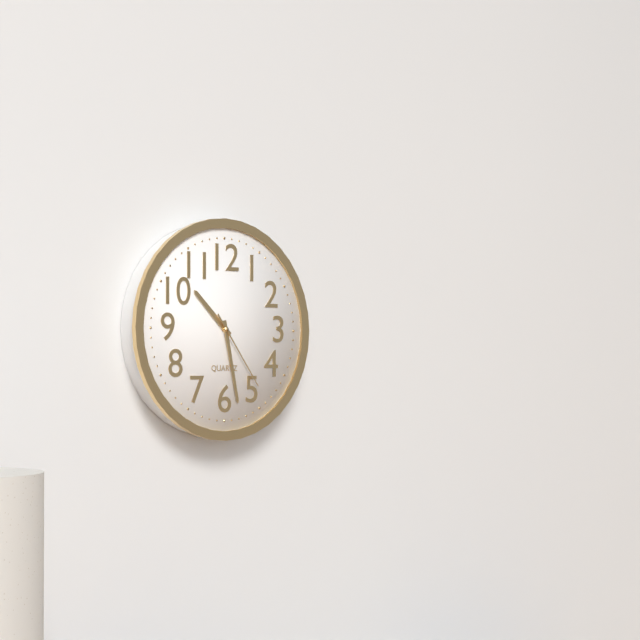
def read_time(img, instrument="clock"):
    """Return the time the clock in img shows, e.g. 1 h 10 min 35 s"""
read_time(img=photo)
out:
10 h 28 min 24 s
